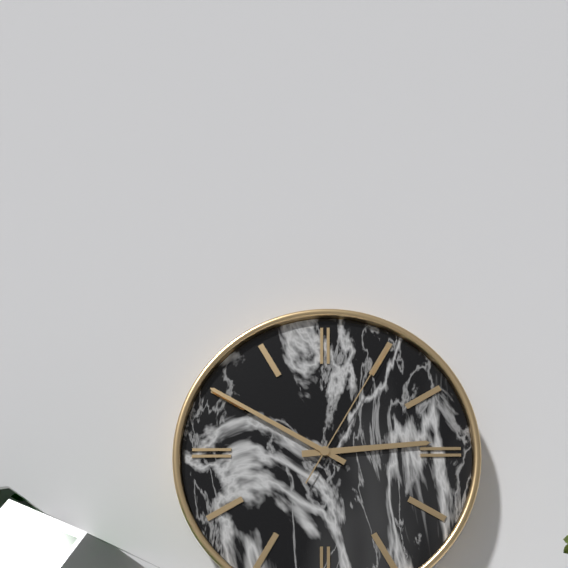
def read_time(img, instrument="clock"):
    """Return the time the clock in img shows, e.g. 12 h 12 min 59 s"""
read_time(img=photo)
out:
2 h 50 min 05 s
